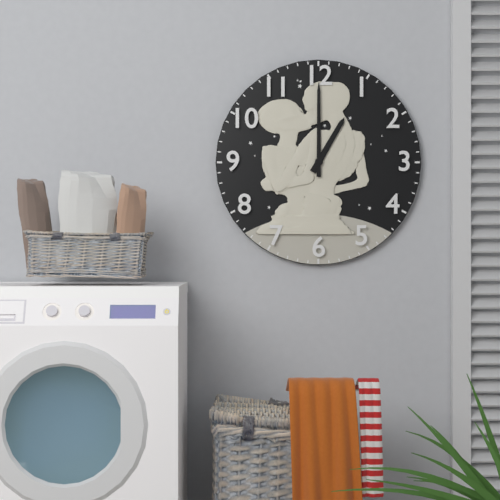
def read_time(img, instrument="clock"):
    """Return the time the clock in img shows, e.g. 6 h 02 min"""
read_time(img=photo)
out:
1 h 00 min
